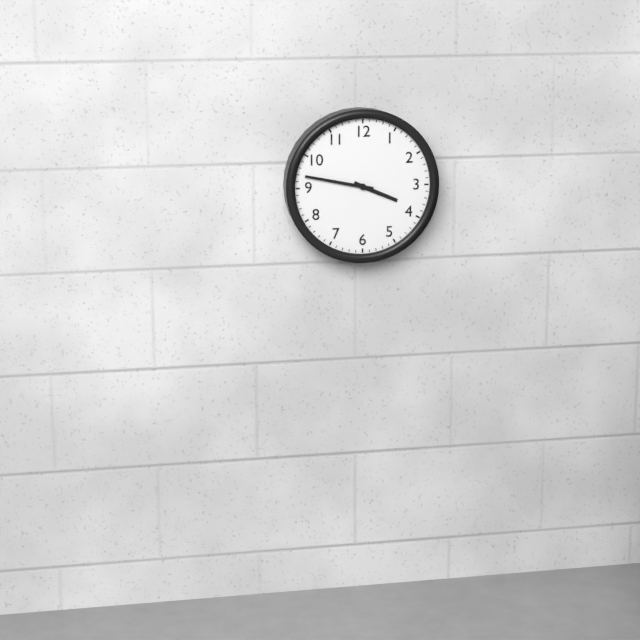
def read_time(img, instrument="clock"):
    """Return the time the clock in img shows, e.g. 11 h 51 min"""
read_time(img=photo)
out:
3 h 47 min
